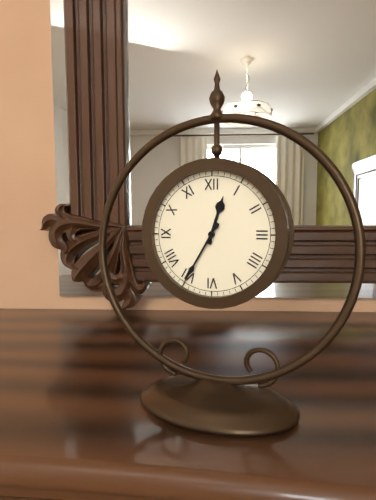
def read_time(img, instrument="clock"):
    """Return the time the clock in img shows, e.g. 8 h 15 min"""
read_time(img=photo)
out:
12 h 35 min
